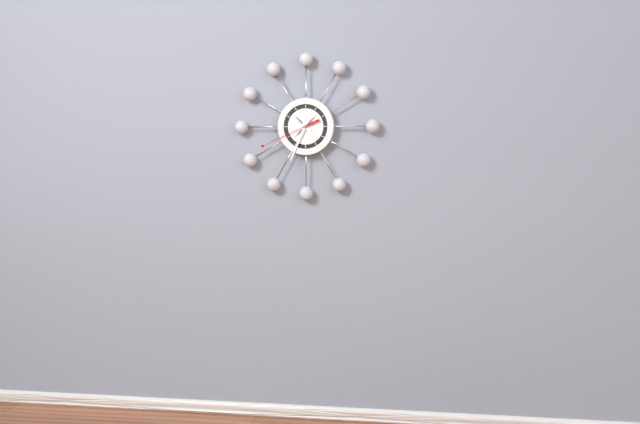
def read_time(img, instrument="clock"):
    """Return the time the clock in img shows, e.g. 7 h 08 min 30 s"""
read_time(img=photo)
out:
4 h 34 min 41 s
